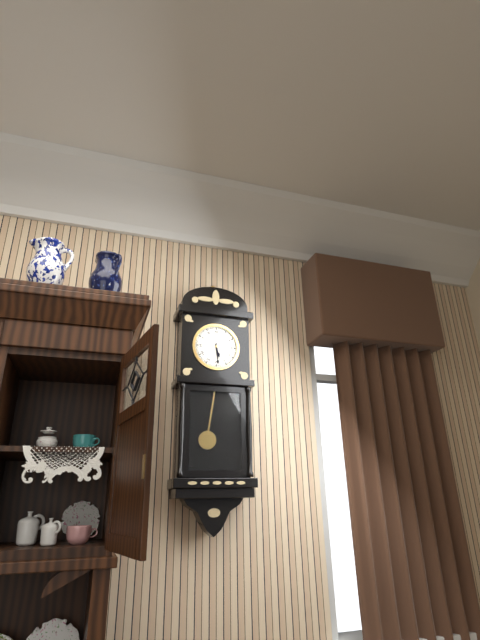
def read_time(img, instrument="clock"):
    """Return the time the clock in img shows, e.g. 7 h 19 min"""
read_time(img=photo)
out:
5 h 29 min
